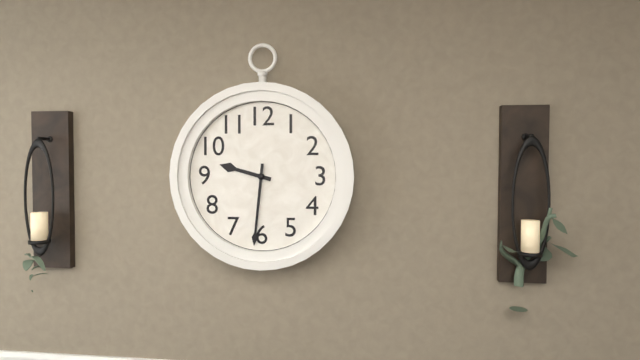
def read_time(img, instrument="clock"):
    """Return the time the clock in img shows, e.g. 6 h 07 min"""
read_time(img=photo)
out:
9 h 31 min
